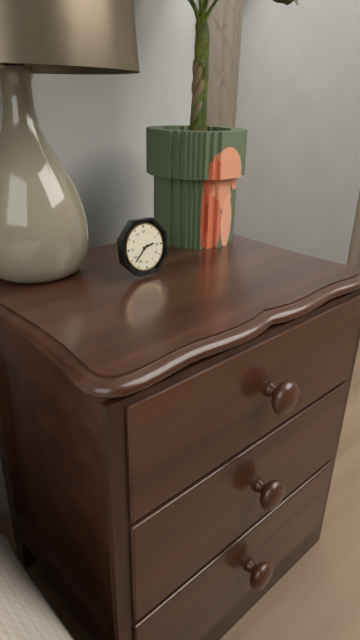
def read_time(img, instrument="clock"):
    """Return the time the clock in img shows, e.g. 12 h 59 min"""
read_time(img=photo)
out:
2 h 38 min
